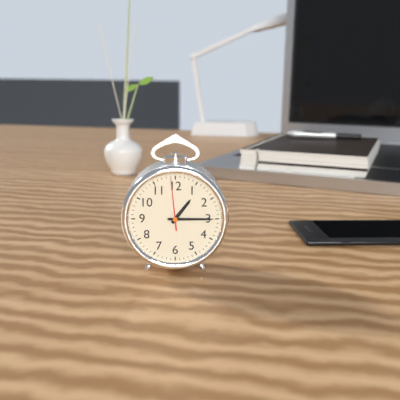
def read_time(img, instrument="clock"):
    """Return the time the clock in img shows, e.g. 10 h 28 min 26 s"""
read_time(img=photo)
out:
1 h 15 min 59 s
